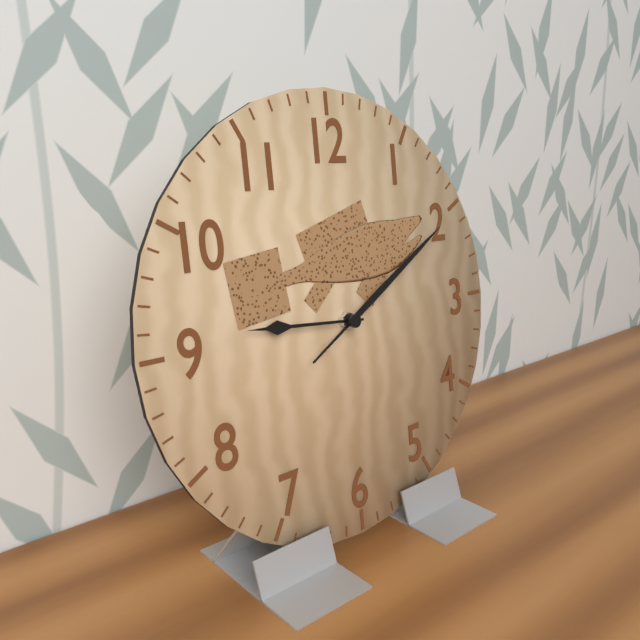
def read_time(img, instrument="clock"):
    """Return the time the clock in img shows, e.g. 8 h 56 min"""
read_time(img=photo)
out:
9 h 10 min
